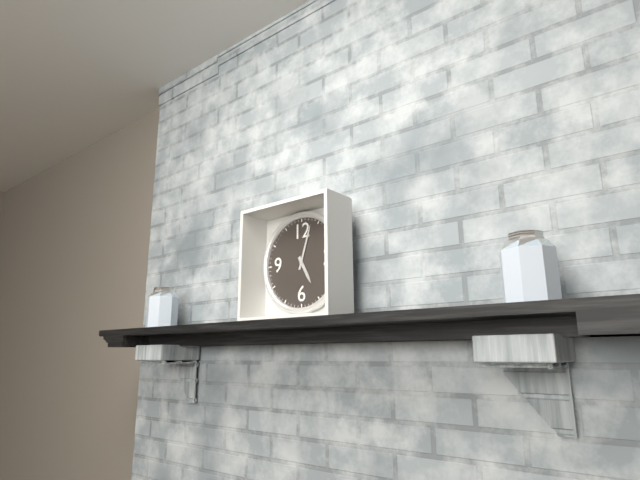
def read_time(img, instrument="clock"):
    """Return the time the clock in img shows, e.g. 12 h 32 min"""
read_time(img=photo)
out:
5 h 03 min
